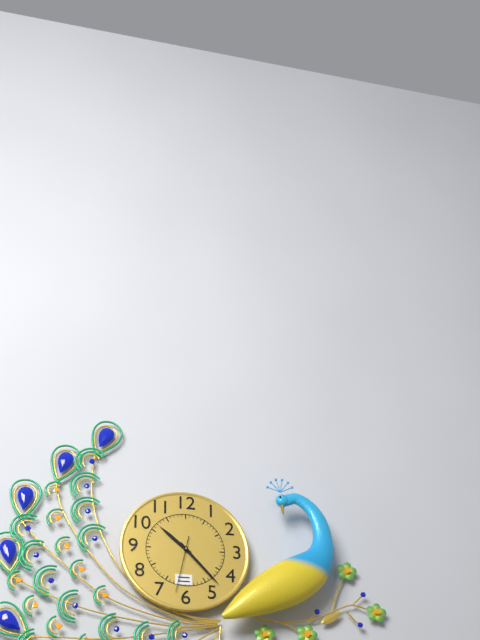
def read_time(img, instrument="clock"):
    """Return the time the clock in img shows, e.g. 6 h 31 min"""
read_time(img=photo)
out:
10 h 23 min
